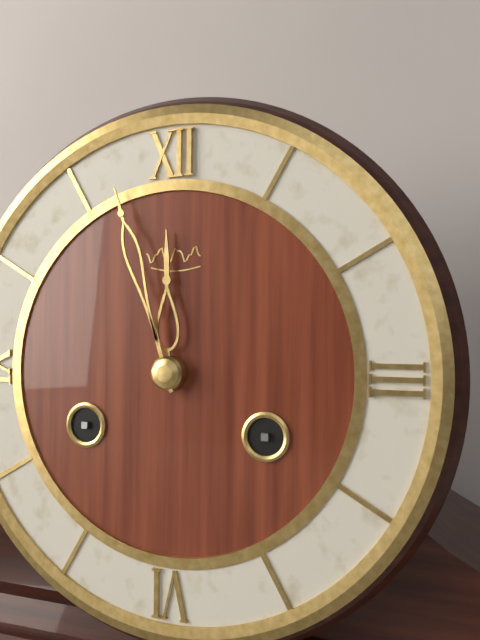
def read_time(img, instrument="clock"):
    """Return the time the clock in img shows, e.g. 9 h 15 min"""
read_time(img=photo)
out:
11 h 57 min
